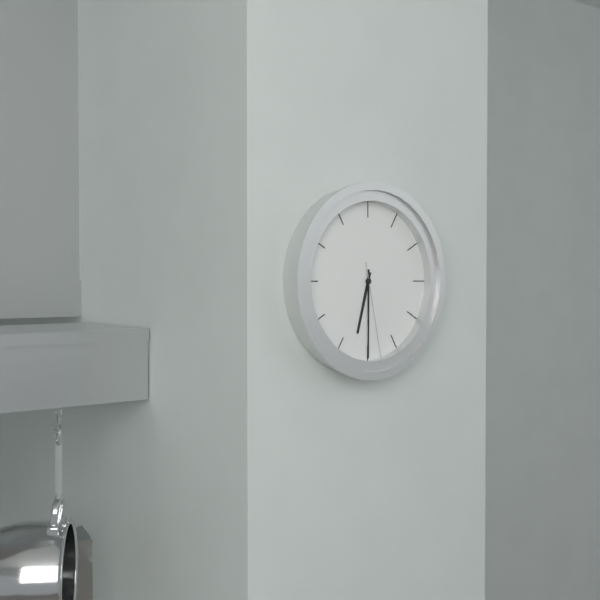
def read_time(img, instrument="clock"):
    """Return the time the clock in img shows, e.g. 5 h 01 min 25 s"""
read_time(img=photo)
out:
6 h 30 min 28 s
